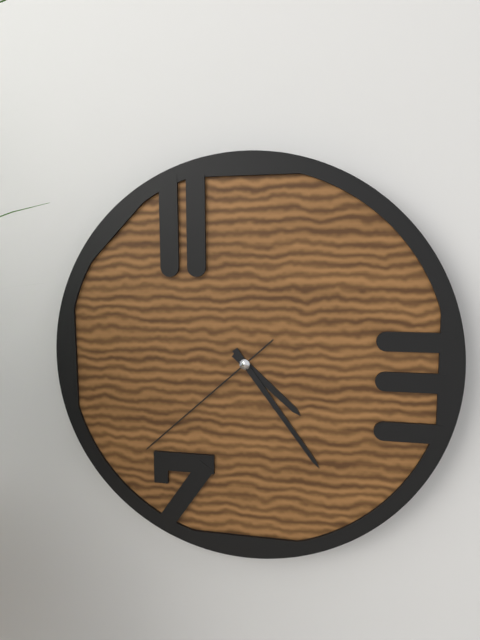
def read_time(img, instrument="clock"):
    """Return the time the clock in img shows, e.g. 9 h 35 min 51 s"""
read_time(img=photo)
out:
4 h 24 min 38 s
